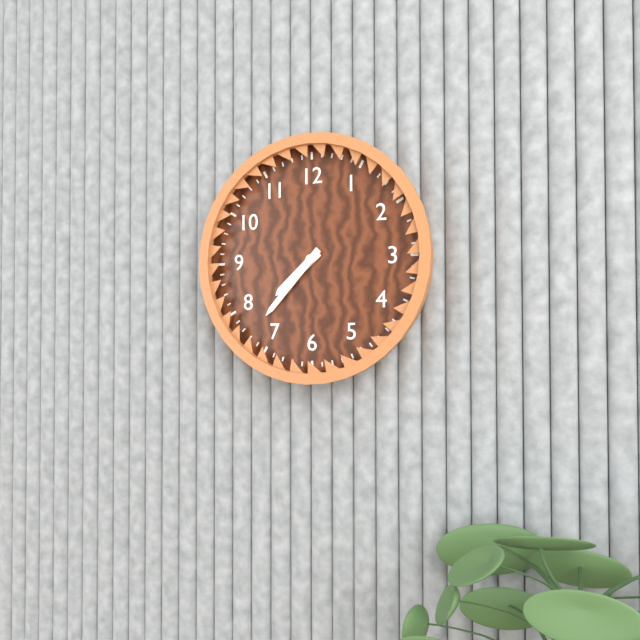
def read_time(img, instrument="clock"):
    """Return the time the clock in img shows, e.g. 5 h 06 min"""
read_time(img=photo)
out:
7 h 37 min
